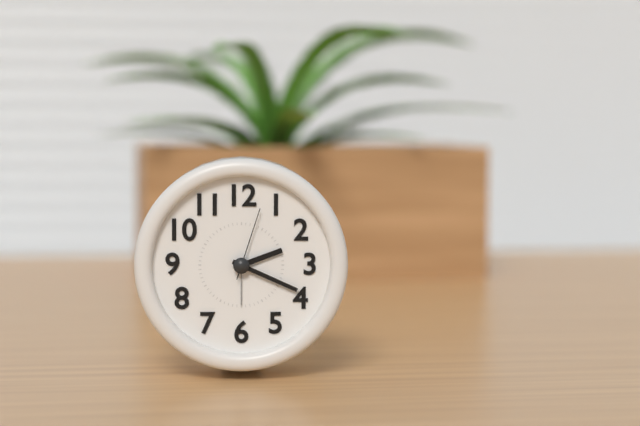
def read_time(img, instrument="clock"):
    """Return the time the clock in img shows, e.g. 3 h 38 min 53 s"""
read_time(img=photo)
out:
2 h 19 min 03 s
